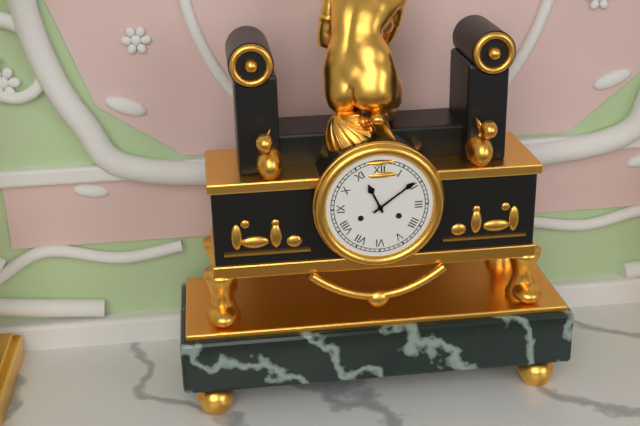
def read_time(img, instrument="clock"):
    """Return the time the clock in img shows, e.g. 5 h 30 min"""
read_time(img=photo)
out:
11 h 09 min
